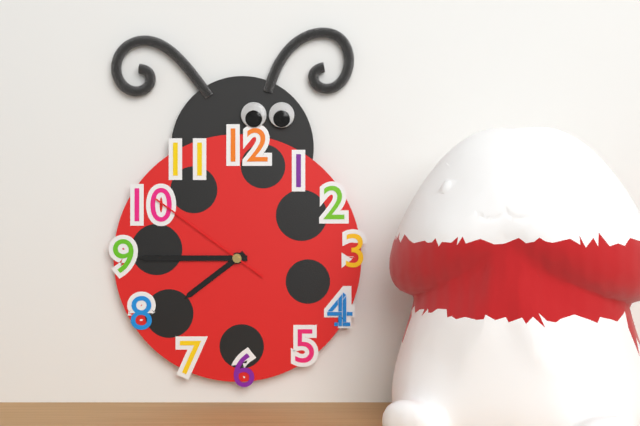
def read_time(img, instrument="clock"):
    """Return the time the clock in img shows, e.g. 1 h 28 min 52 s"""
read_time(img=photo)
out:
7 h 45 min 51 s
